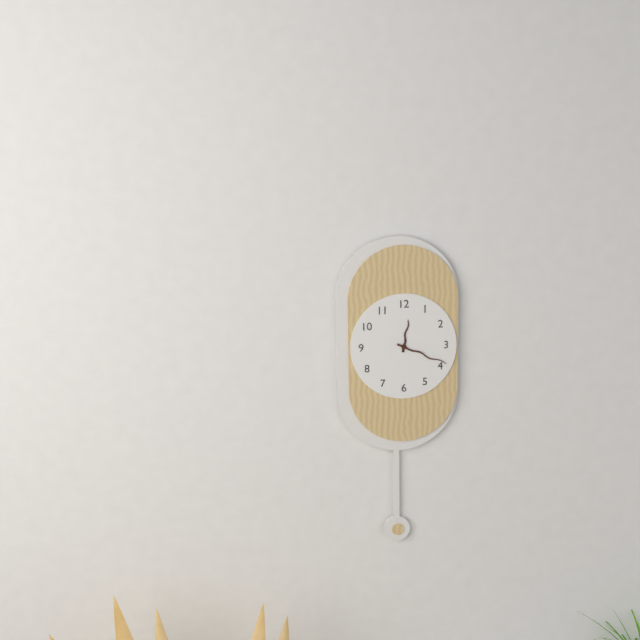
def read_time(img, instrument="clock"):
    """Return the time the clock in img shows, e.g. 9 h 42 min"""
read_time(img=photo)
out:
12 h 19 min
